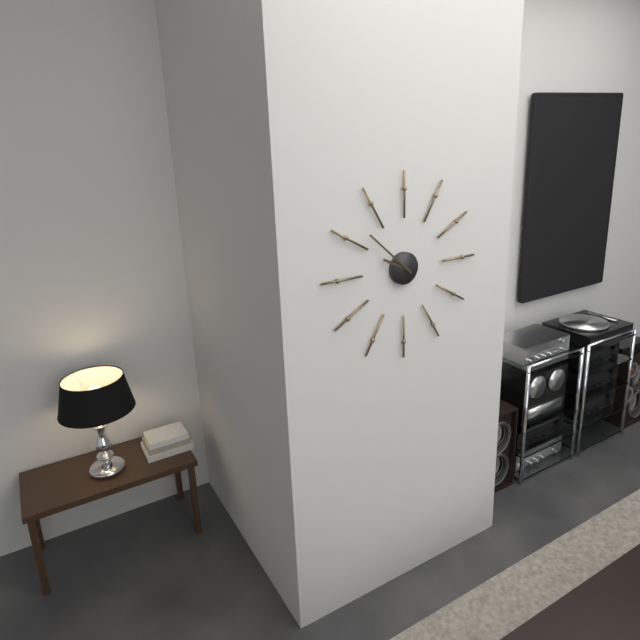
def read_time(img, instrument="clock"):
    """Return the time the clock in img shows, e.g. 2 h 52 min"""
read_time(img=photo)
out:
9 h 52 min
